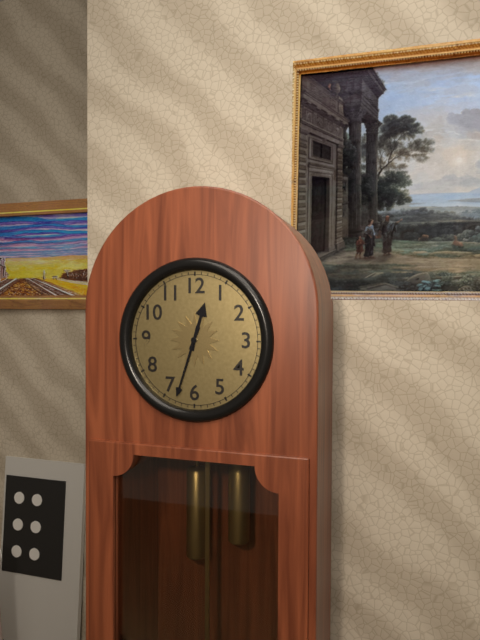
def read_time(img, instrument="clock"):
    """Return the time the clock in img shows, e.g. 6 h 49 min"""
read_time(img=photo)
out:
12 h 33 min
